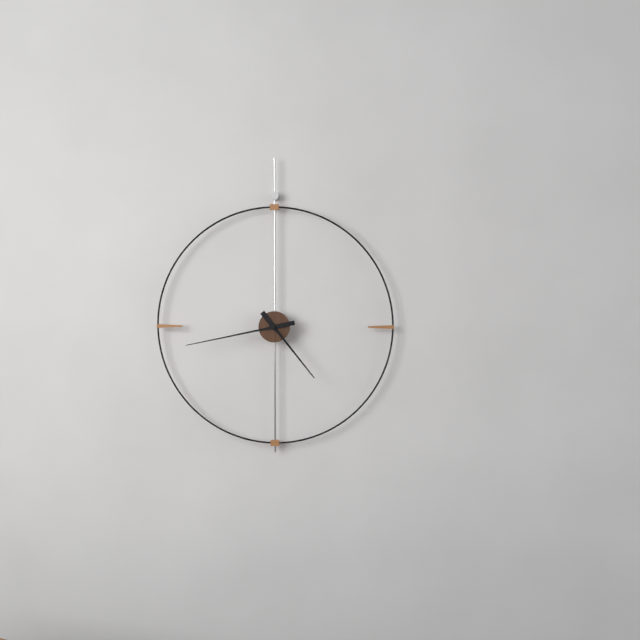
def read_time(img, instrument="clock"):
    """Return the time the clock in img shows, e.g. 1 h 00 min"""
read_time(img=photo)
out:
4 h 43 min
